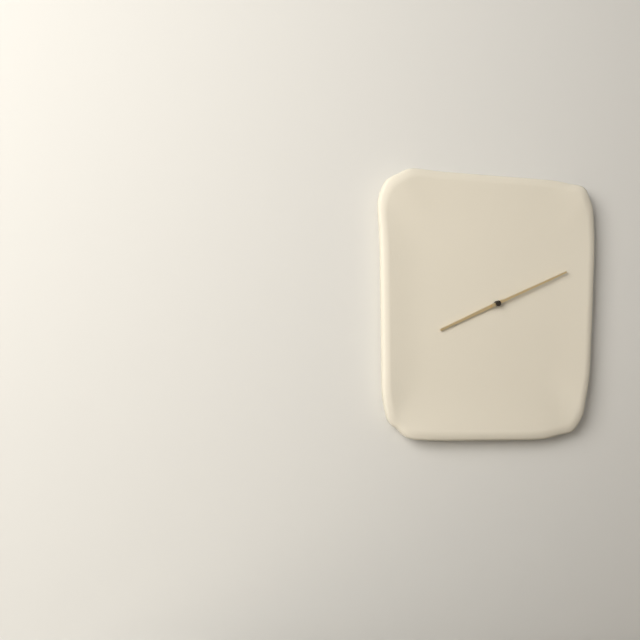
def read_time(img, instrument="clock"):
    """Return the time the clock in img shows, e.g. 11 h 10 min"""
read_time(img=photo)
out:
8 h 11 min
